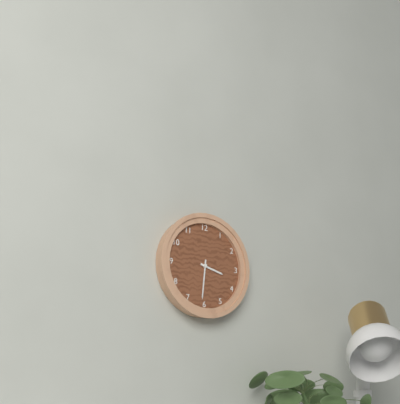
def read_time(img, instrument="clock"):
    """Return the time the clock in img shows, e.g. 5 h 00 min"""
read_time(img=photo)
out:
3 h 31 min
